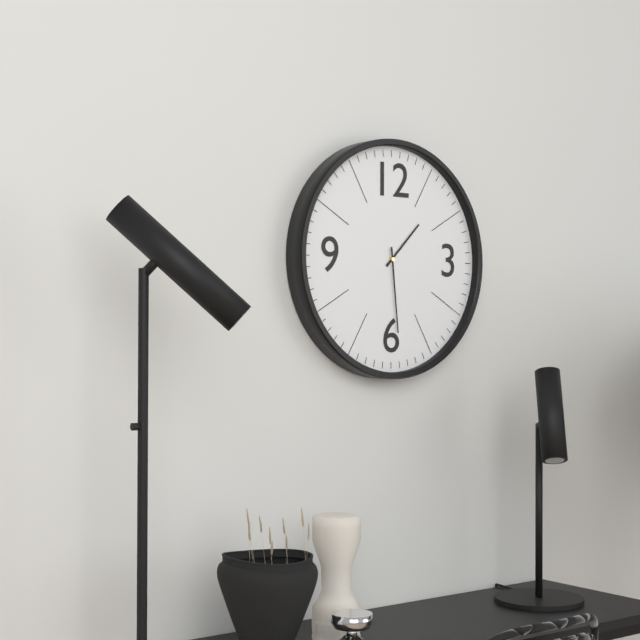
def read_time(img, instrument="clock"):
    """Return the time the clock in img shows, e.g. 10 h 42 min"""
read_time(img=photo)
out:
1 h 29 min
